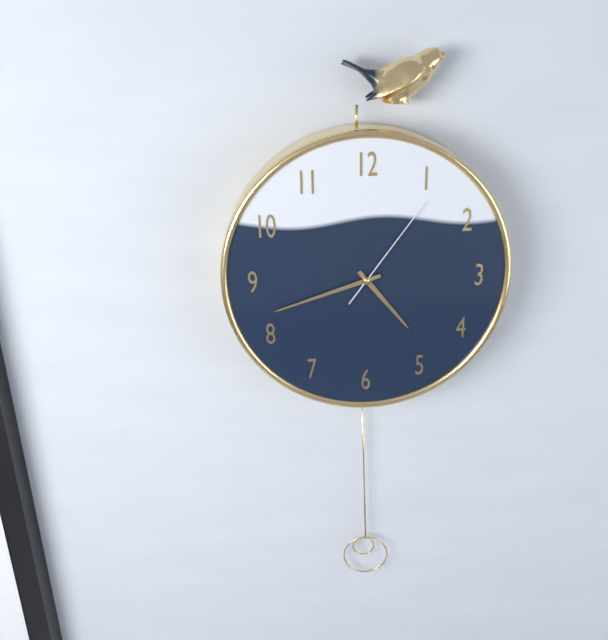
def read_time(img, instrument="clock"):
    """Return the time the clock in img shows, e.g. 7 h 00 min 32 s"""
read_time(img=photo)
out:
4 h 42 min 06 s
